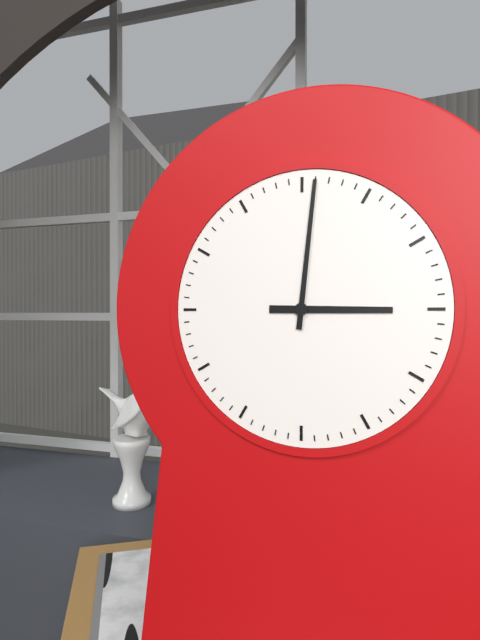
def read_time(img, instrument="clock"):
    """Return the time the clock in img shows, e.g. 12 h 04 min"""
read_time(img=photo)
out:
3 h 01 min
